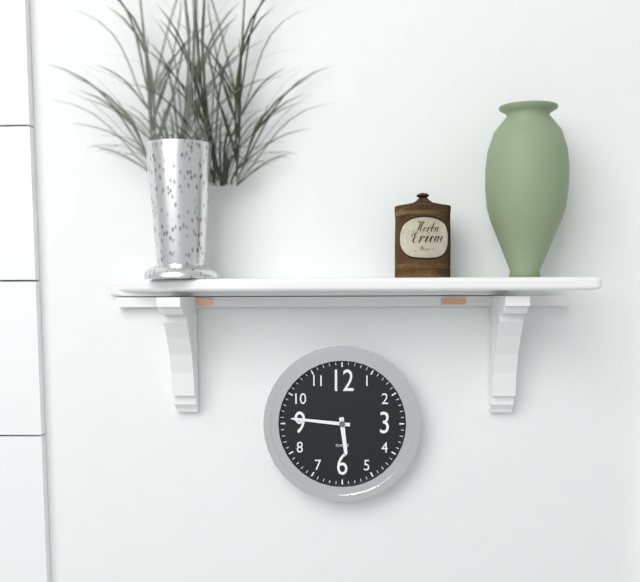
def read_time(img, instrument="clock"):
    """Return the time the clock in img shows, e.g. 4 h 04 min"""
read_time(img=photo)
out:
5 h 46 min
